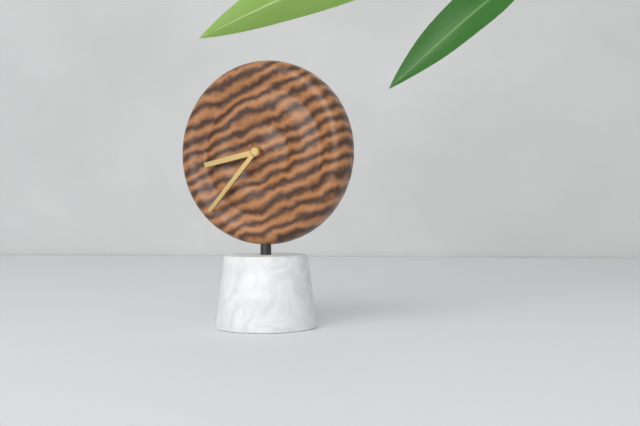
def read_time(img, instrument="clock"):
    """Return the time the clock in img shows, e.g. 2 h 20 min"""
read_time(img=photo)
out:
8 h 37 min
